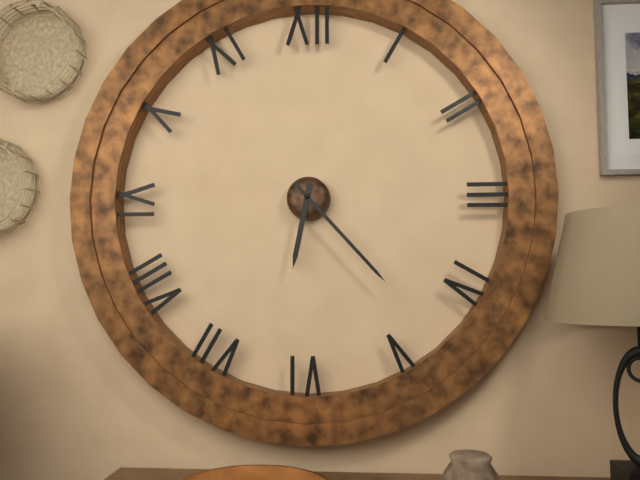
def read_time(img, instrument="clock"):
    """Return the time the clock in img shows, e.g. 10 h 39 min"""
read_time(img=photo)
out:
6 h 23 min
